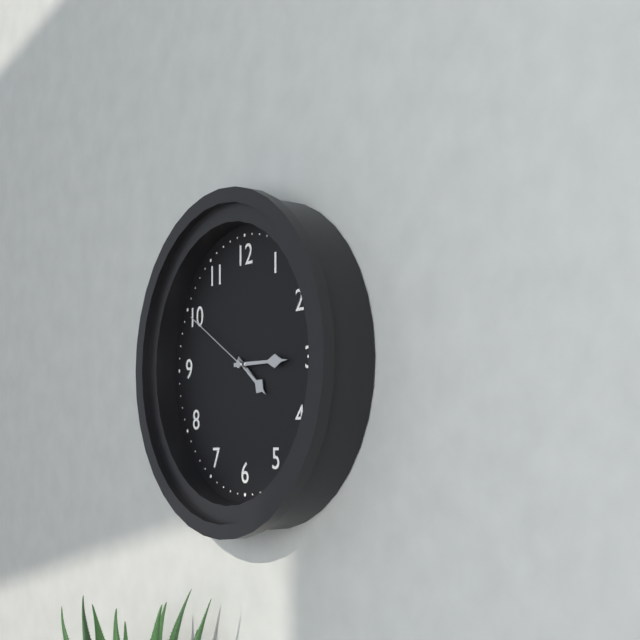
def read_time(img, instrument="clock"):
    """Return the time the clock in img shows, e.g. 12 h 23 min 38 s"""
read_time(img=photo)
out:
4 h 15 min 50 s
